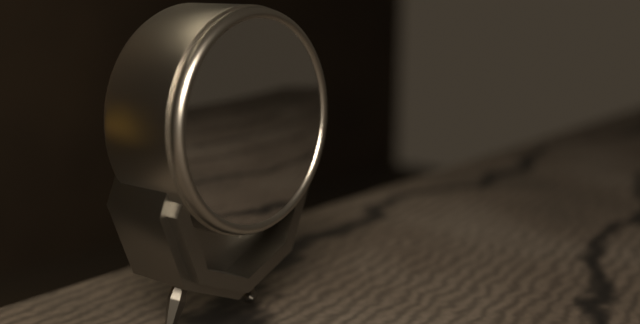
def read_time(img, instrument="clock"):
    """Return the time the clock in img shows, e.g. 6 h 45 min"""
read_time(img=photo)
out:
4 h 05 min
